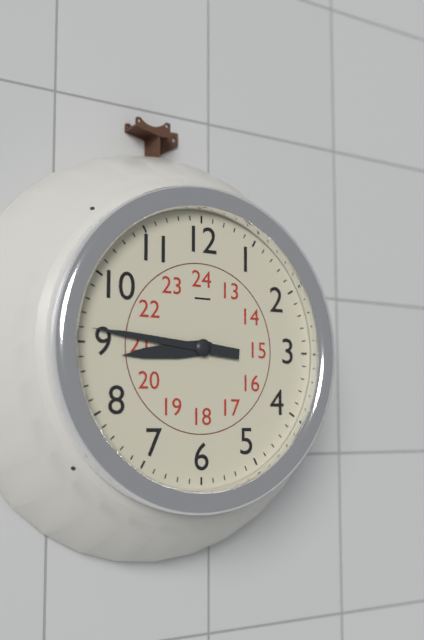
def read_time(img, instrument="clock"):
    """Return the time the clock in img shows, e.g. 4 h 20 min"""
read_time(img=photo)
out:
8 h 46 min
